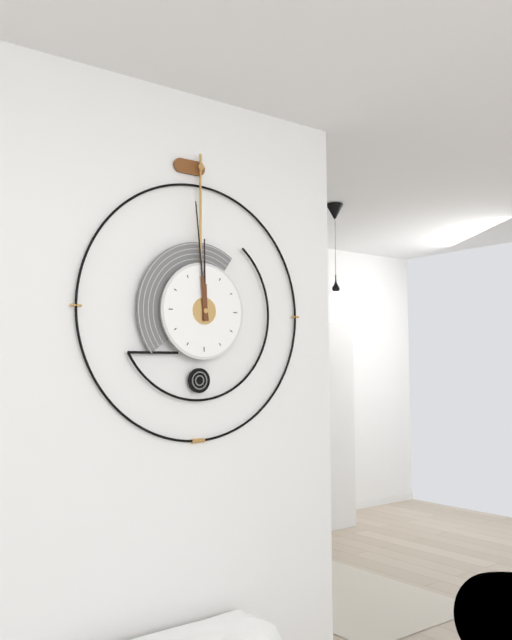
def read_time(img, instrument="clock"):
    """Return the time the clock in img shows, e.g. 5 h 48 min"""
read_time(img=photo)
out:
11 h 59 min
